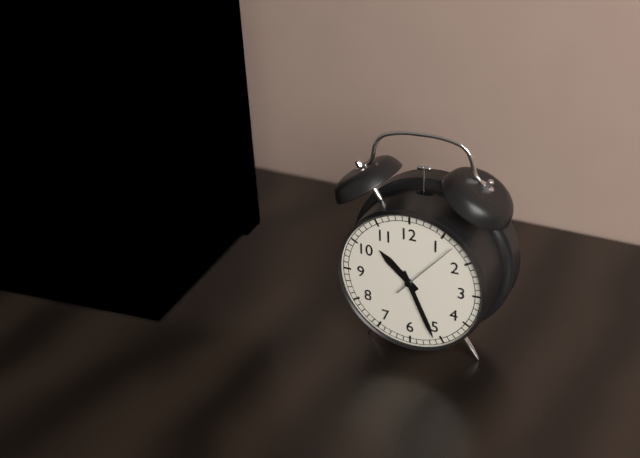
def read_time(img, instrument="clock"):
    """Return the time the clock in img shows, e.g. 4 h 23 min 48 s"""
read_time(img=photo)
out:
10 h 26 min 07 s
